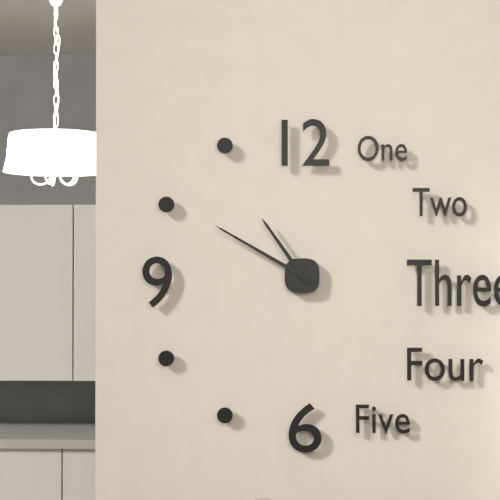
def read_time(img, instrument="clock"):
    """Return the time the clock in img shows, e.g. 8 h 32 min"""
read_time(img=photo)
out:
10 h 50 min
